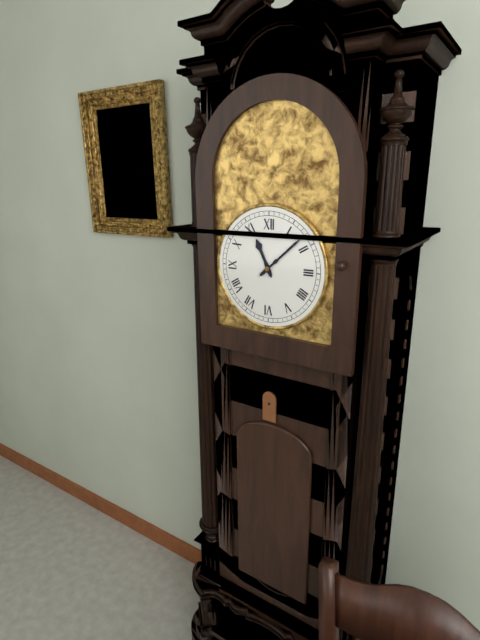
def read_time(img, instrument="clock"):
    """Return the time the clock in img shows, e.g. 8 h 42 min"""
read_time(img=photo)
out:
11 h 08 min
